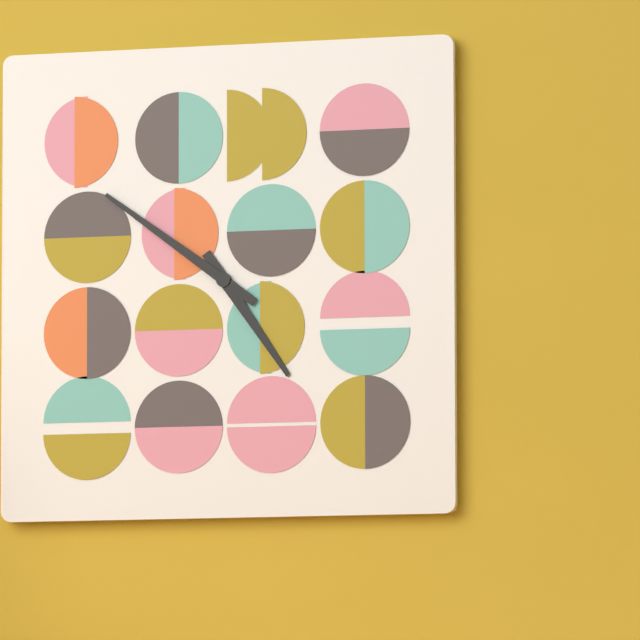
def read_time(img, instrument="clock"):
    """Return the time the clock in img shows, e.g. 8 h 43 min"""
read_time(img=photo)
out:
4 h 51 min
